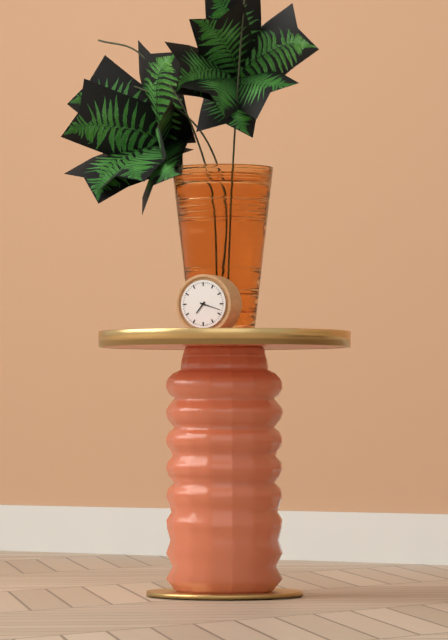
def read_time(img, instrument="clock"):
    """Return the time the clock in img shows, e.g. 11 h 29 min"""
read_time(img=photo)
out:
7 h 18 min
